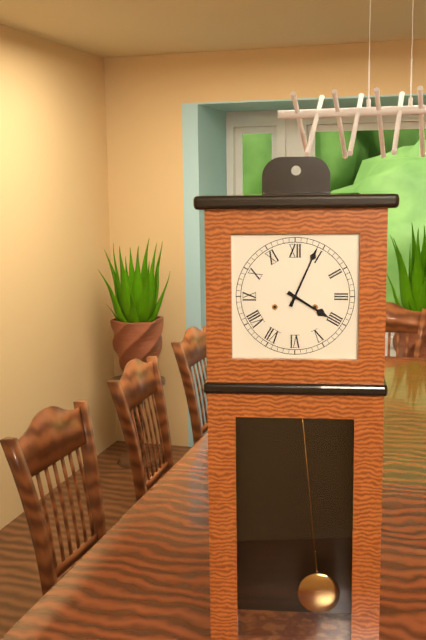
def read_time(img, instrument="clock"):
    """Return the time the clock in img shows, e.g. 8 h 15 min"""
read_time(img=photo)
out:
4 h 04 min
